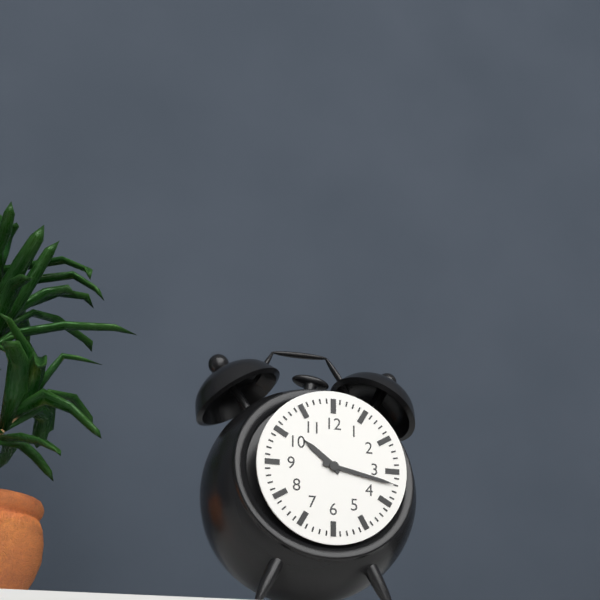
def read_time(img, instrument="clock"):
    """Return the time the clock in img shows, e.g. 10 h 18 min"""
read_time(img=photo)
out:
10 h 17 min
